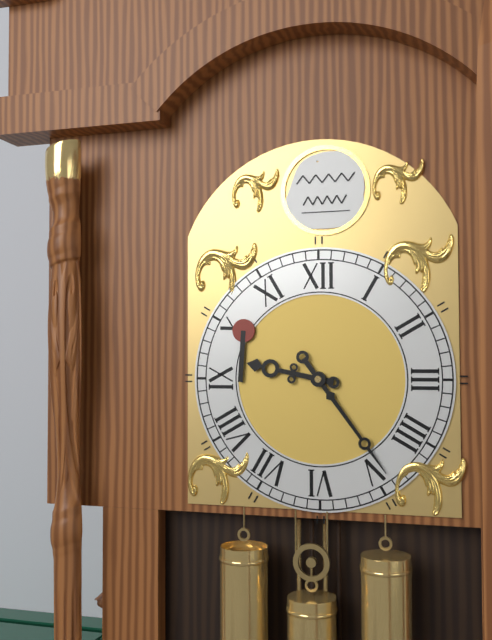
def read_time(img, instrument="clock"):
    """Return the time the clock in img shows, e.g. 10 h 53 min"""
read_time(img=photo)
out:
9 h 24 min
